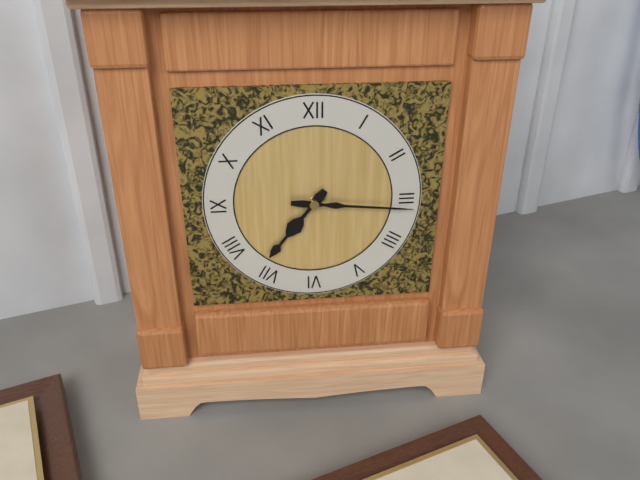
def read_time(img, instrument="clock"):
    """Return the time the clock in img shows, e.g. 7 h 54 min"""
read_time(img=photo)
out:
7 h 16 min
